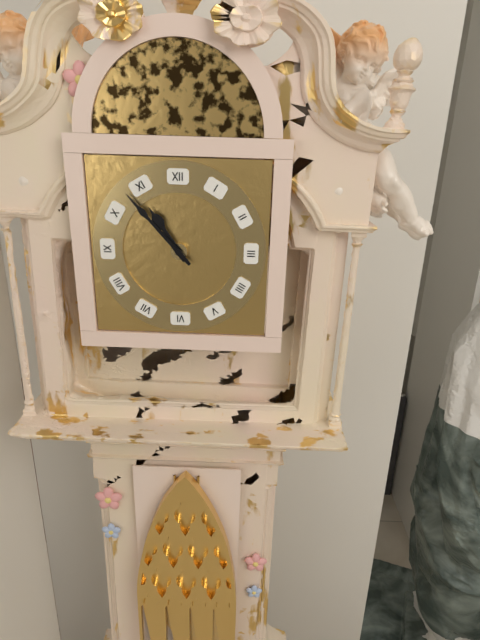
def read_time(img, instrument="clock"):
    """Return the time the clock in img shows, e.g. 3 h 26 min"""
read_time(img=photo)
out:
10 h 53 min
